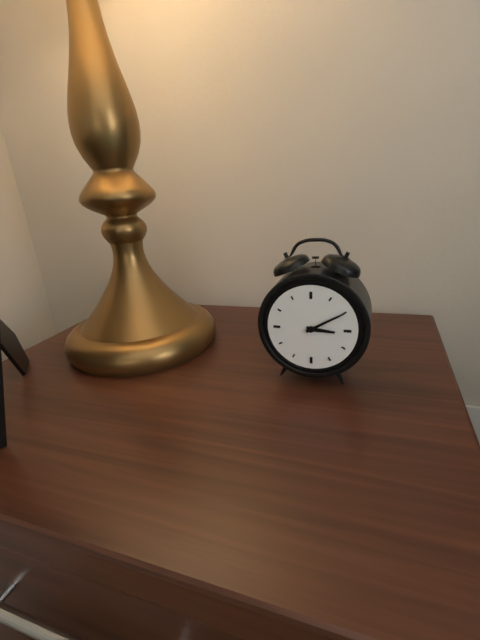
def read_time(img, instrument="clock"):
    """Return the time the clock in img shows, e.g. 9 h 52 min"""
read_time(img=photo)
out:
3 h 10 min
